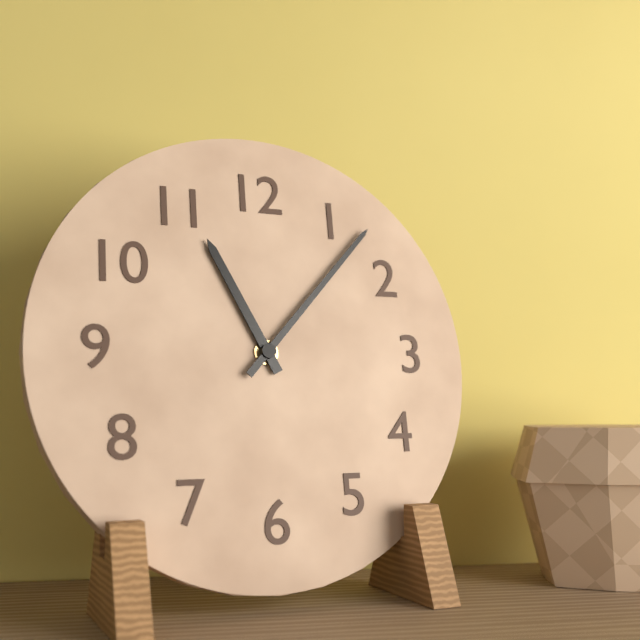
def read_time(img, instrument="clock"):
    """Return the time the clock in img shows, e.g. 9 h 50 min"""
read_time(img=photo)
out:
11 h 07 min
